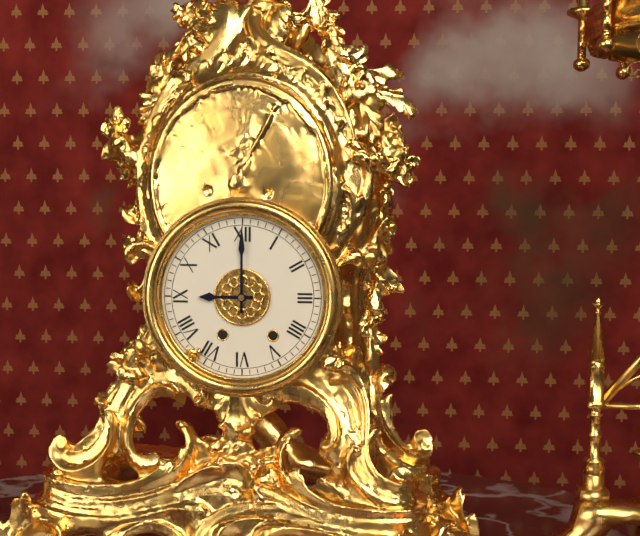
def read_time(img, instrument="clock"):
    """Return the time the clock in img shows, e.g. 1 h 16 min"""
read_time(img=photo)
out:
9 h 00 min
